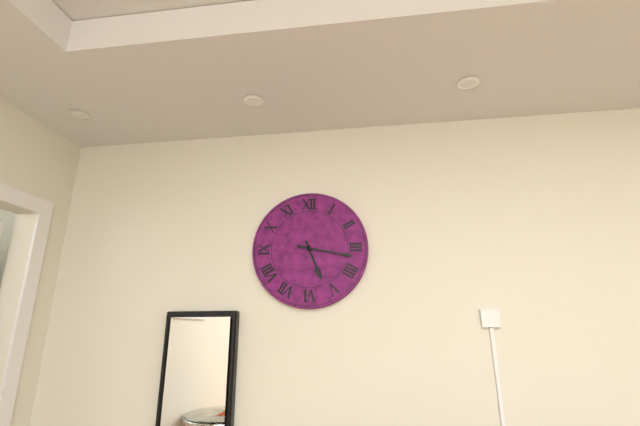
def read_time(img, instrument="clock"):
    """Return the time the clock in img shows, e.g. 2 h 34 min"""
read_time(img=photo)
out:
5 h 17 min
